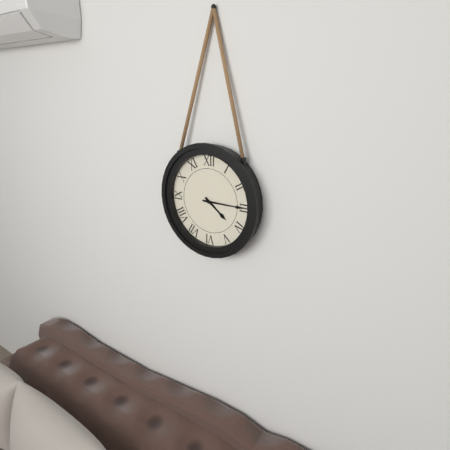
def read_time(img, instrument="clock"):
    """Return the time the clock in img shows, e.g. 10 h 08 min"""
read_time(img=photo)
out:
4 h 15 min
